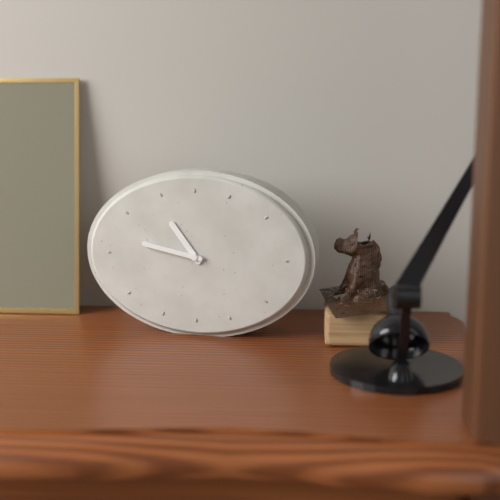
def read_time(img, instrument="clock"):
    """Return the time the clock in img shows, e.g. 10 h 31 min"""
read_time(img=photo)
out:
10 h 47 min
